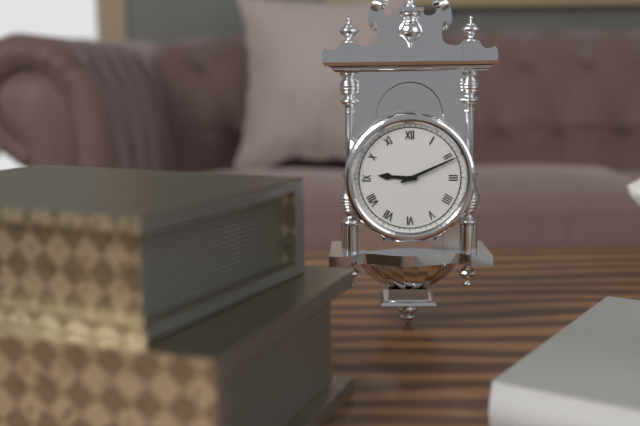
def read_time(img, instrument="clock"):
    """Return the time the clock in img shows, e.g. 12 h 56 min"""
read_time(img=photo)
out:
9 h 11 min
